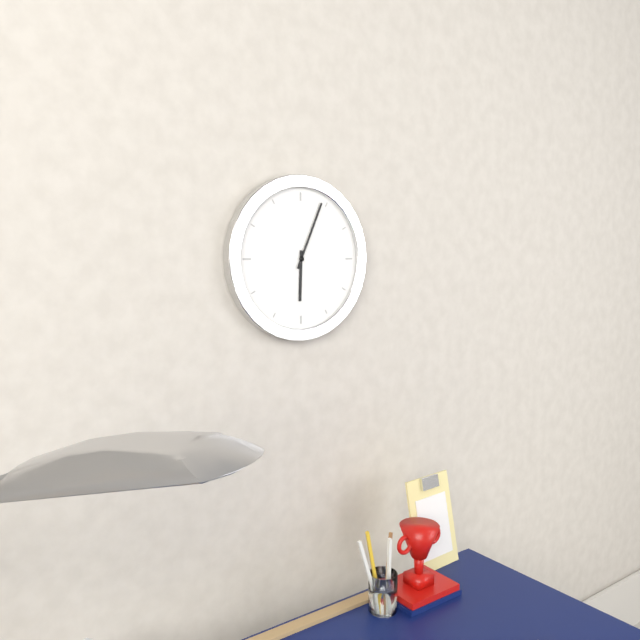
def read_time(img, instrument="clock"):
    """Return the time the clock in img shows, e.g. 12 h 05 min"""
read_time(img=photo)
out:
6 h 04 min
